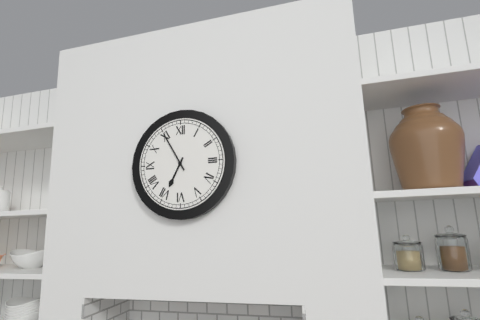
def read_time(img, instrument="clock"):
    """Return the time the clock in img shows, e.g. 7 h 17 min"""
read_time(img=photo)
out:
6 h 55 min
